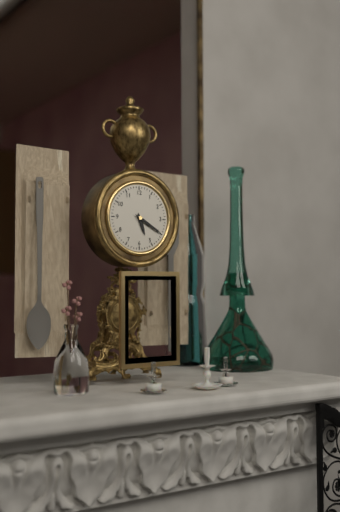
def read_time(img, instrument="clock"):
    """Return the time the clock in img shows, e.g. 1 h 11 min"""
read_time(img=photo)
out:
5 h 20 min
